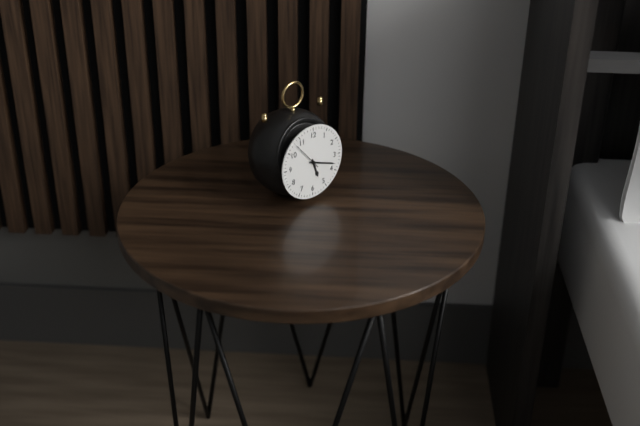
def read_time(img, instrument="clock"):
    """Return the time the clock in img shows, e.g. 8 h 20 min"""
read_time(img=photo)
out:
5 h 18 min
